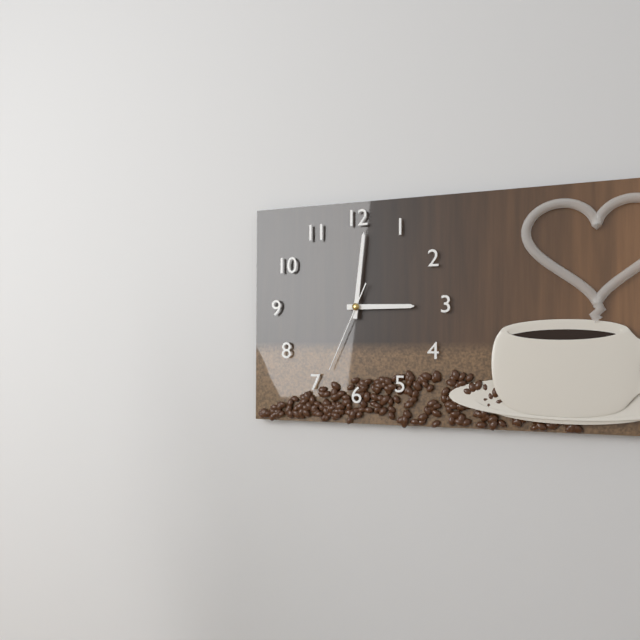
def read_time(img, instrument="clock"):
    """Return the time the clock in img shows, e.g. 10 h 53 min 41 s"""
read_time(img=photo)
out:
3 h 01 min 34 s
